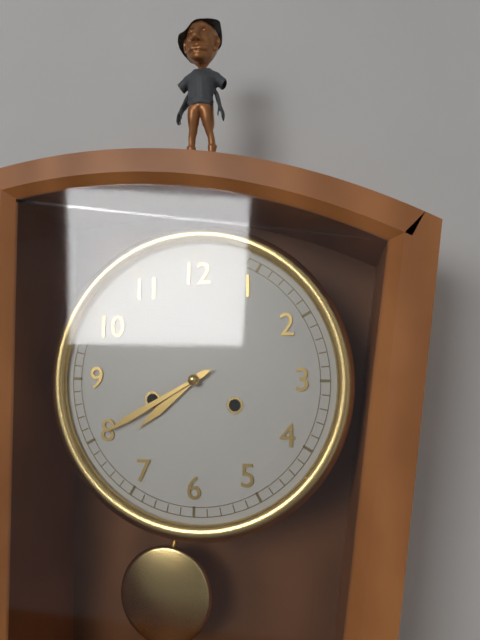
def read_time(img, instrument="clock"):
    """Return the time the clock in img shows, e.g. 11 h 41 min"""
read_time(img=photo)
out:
7 h 40 min
